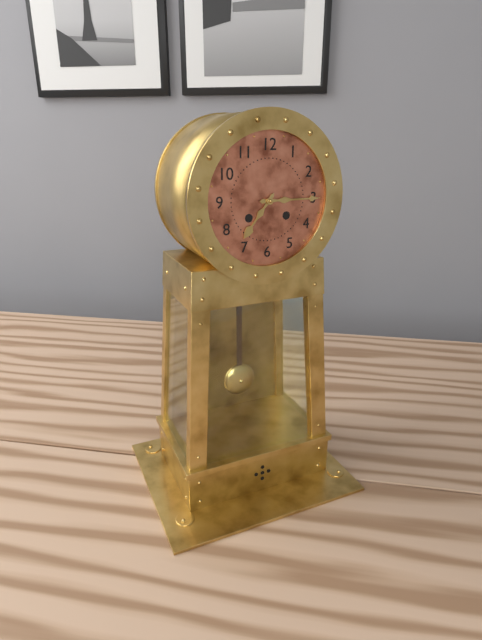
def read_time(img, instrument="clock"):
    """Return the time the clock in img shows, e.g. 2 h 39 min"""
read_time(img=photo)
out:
7 h 15 min
